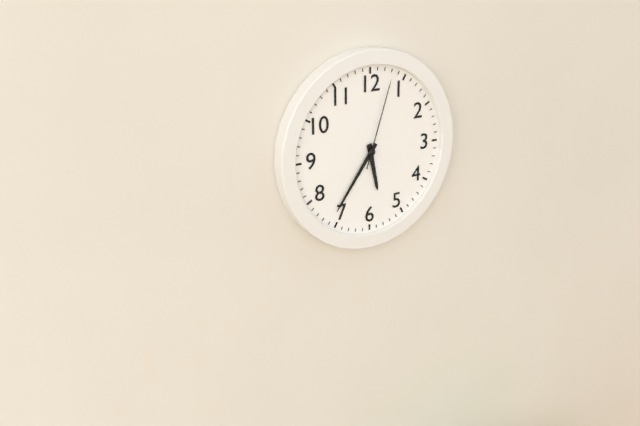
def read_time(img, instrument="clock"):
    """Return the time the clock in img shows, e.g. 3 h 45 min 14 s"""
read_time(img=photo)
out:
5 h 36 min 03 s
